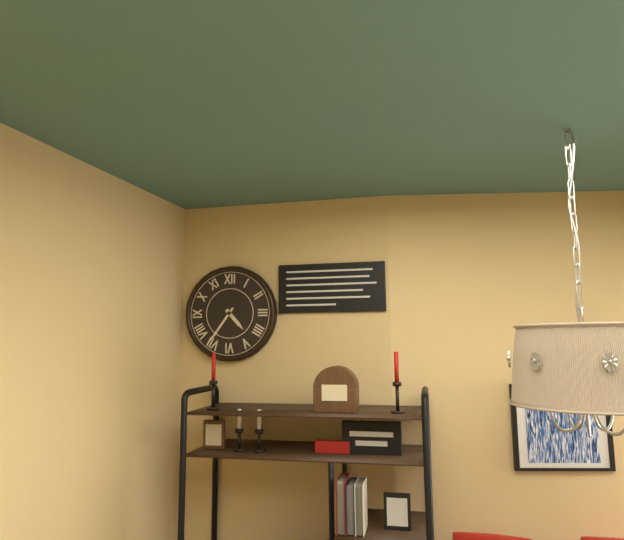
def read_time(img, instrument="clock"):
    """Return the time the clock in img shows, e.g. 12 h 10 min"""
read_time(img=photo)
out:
4 h 36 min
